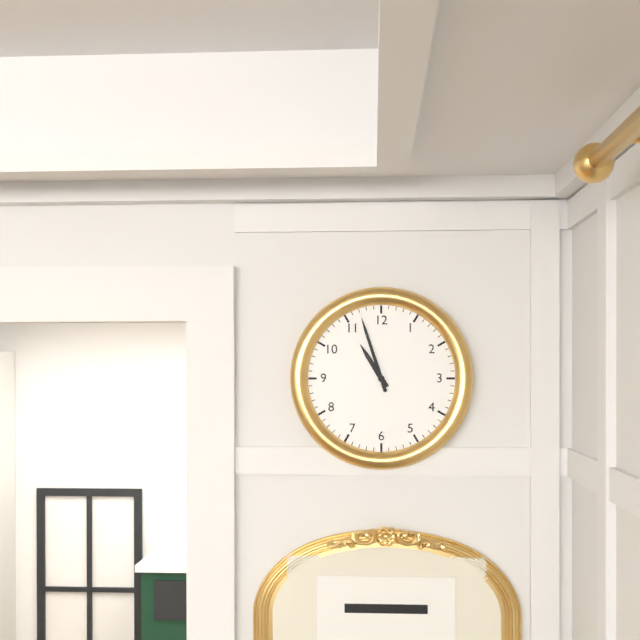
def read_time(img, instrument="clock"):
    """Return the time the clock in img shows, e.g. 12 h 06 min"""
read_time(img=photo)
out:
10 h 57 min
